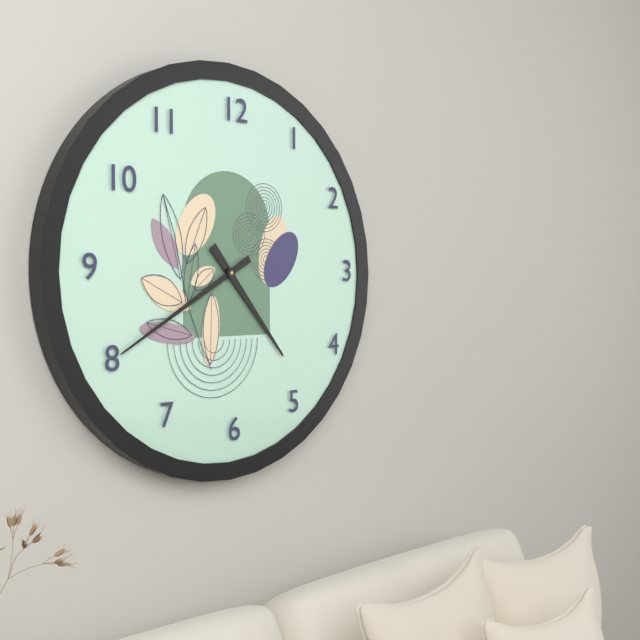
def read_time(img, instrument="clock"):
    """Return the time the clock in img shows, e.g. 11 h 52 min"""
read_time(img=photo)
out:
4 h 40 min
